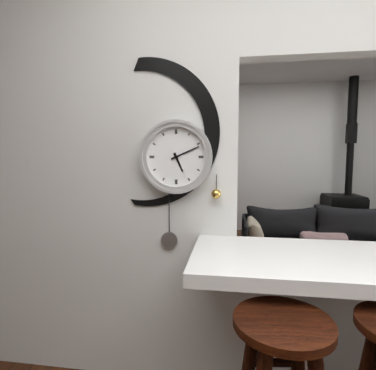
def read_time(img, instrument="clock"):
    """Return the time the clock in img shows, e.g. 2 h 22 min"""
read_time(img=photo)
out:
5 h 11 min
